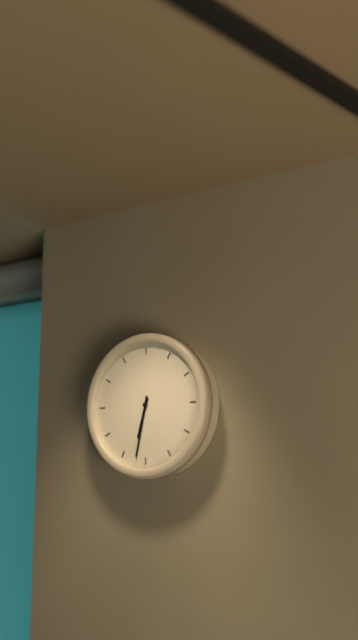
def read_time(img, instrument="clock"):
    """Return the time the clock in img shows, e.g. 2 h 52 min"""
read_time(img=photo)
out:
6 h 32 min
